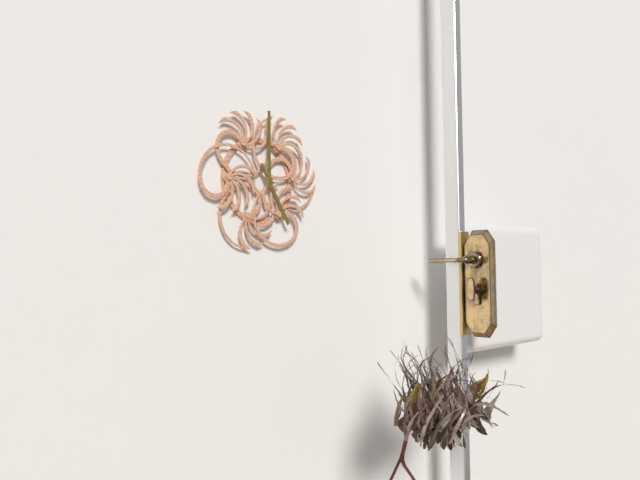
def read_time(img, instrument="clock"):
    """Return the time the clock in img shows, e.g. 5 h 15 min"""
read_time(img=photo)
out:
5 h 00 min
